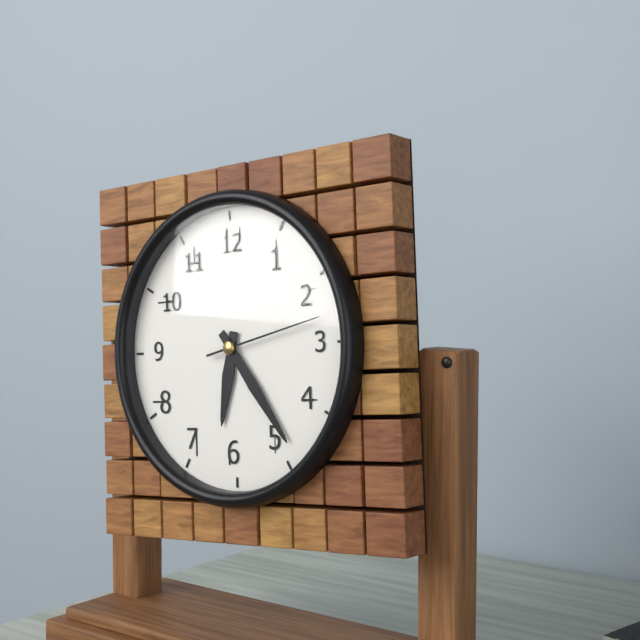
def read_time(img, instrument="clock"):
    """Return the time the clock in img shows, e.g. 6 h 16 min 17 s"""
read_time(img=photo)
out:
6 h 24 min 13 s
